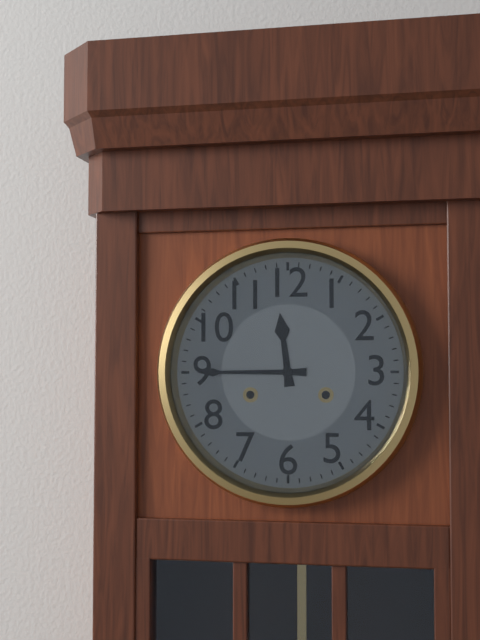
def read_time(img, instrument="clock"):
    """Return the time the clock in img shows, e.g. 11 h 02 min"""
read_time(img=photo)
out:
11 h 45 min
